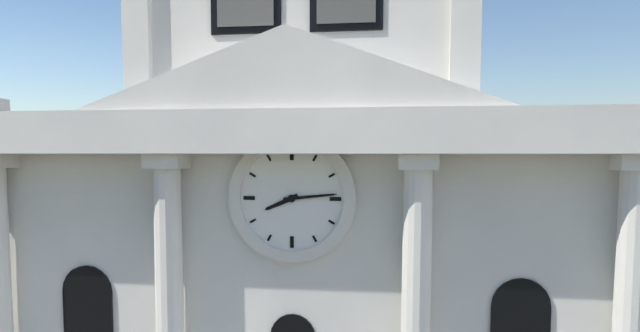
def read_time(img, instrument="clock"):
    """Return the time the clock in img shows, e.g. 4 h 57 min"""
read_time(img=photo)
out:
8 h 14 min
